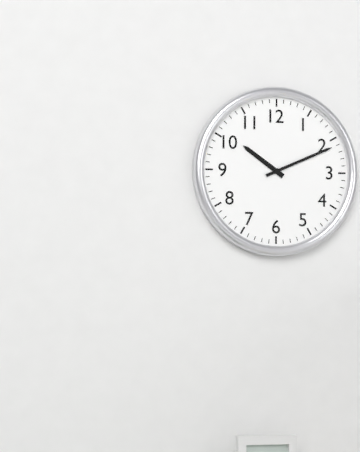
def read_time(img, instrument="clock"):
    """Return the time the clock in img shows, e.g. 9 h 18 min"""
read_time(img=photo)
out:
10 h 11 min
